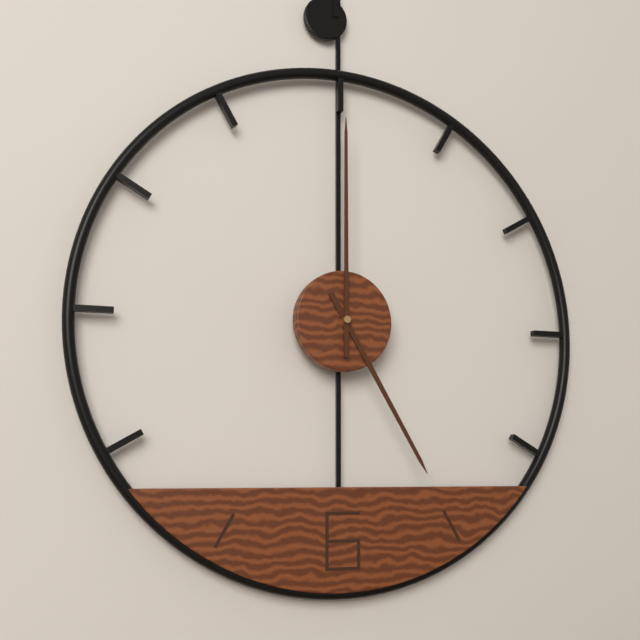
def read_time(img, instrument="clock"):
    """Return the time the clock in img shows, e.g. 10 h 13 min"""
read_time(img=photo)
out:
5 h 00 min
